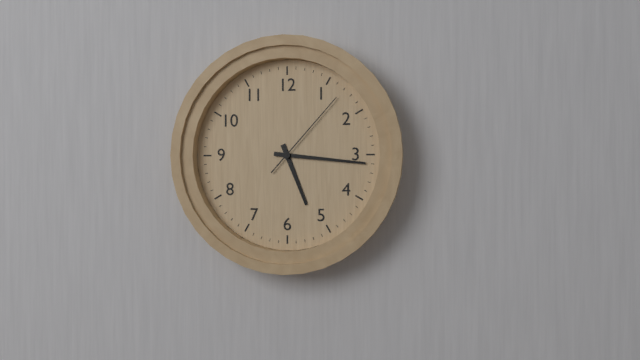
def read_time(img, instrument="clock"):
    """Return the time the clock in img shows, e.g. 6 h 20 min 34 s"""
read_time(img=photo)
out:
5 h 16 min 07 s
